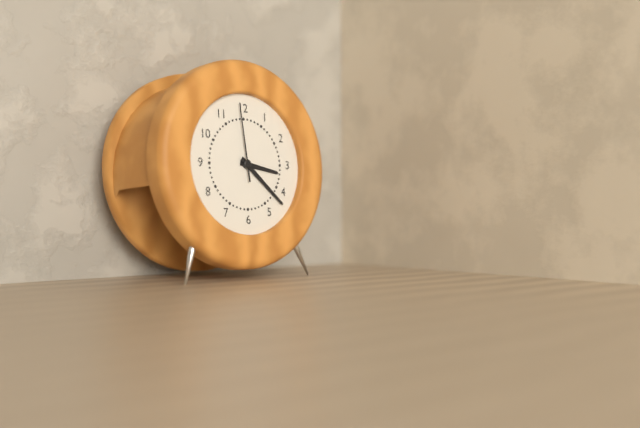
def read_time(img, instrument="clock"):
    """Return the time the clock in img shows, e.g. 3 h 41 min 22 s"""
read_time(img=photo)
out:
3 h 22 min 59 s
